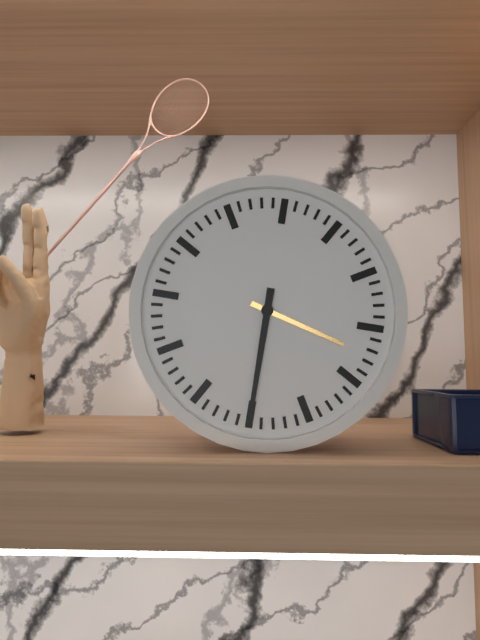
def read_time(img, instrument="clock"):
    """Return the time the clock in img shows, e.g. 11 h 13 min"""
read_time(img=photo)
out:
3 h 30 min
